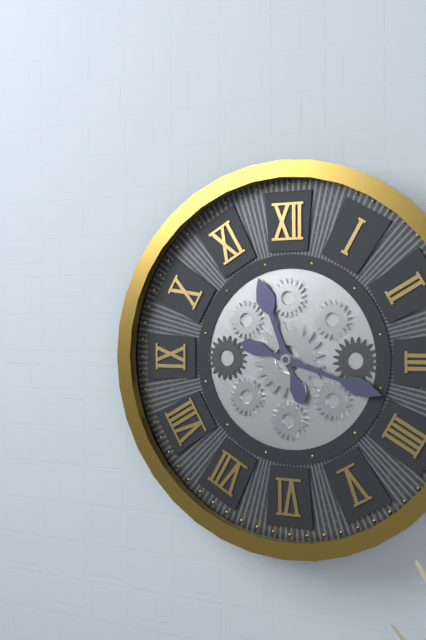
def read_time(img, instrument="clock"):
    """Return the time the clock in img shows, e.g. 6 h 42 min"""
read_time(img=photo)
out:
11 h 18 min
